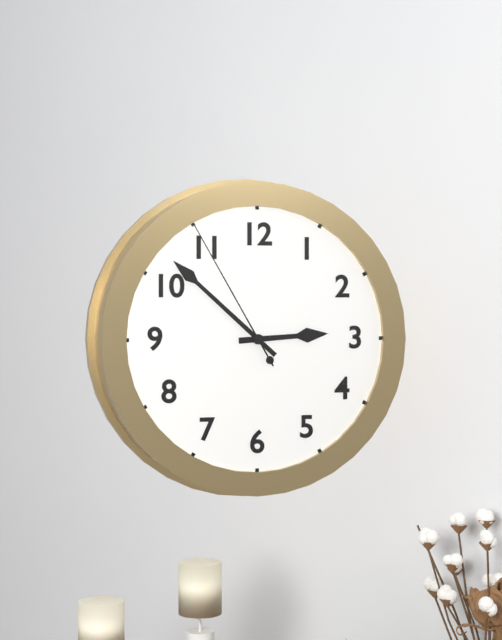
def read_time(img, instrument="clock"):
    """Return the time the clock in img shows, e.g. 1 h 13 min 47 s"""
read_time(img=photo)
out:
2 h 52 min 55 s
